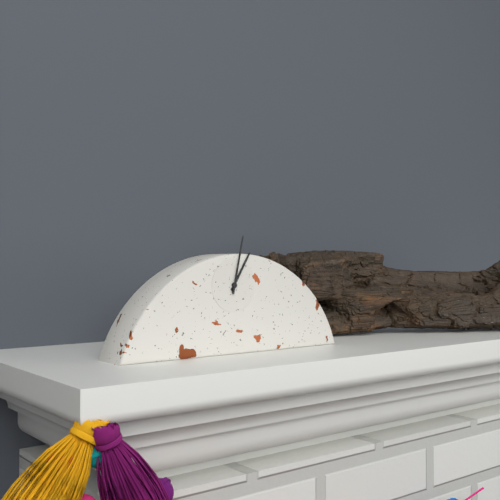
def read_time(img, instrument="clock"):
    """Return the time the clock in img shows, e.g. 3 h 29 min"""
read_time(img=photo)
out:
1 h 02 min
